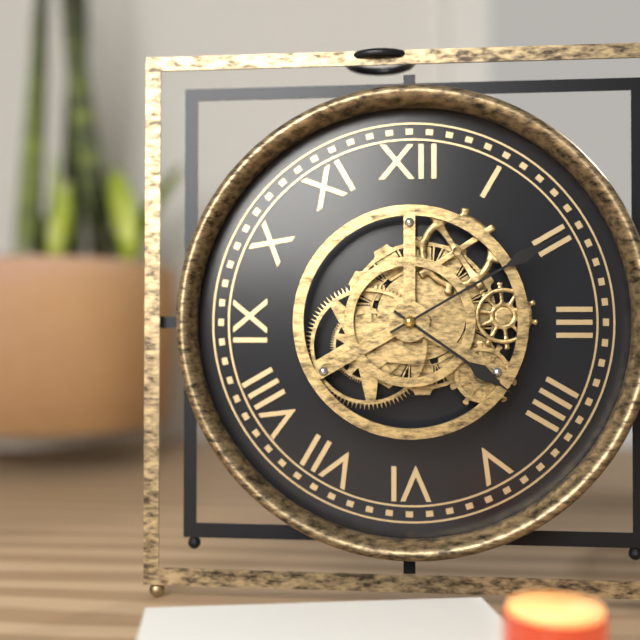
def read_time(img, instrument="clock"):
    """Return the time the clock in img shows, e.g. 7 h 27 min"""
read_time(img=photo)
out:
4 h 10 min
